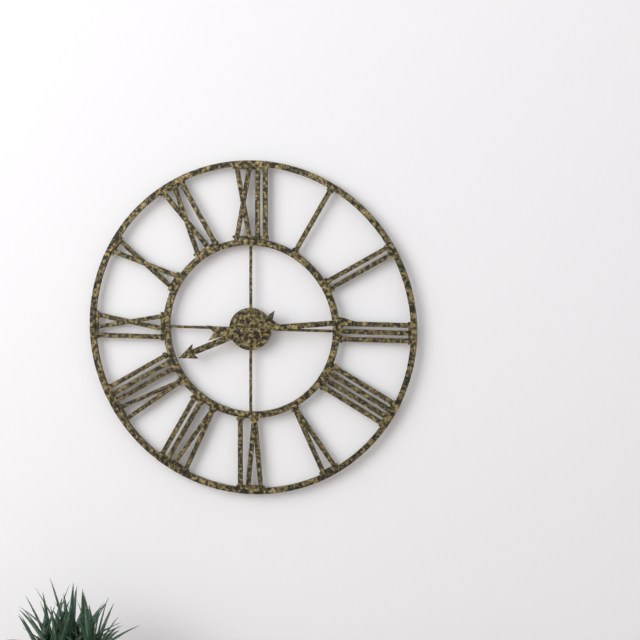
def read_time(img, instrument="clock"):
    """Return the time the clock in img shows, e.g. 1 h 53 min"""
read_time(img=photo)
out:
8 h 14 min
